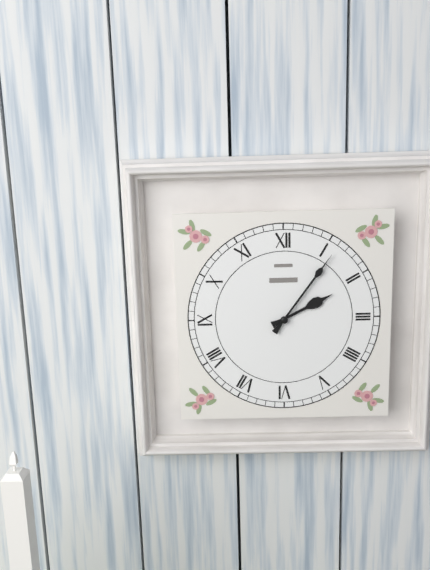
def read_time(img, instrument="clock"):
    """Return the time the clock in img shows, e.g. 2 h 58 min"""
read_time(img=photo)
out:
2 h 06 min
